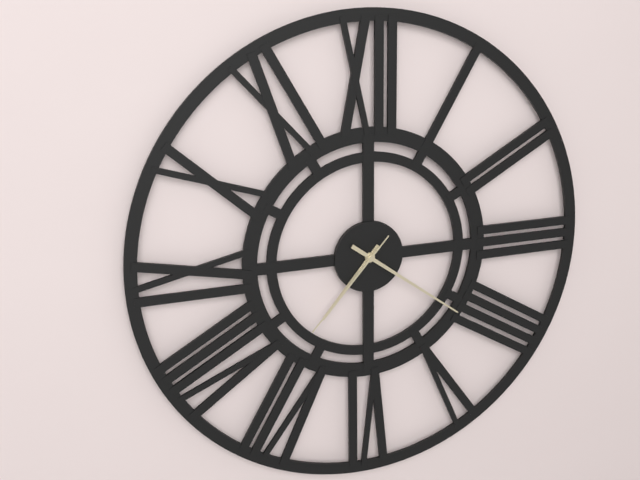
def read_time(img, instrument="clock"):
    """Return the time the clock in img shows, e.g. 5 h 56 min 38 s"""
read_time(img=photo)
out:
7 h 21 min 37 s
